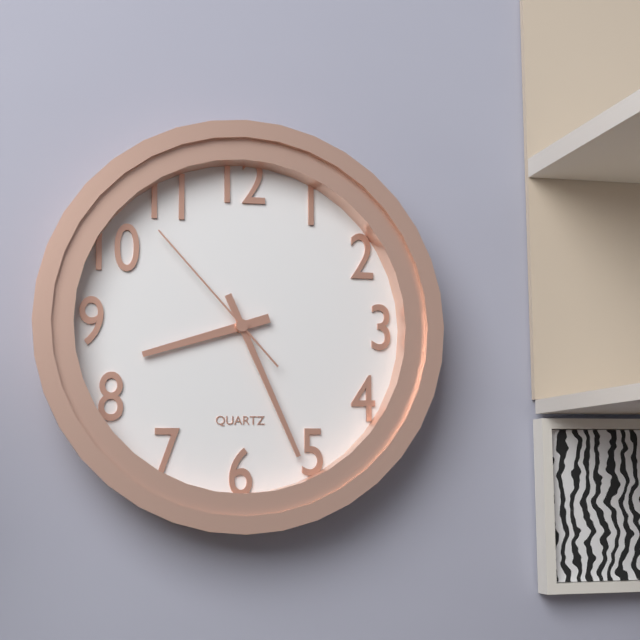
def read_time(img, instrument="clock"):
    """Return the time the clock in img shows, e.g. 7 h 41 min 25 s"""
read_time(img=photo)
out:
8 h 26 min 53 s
